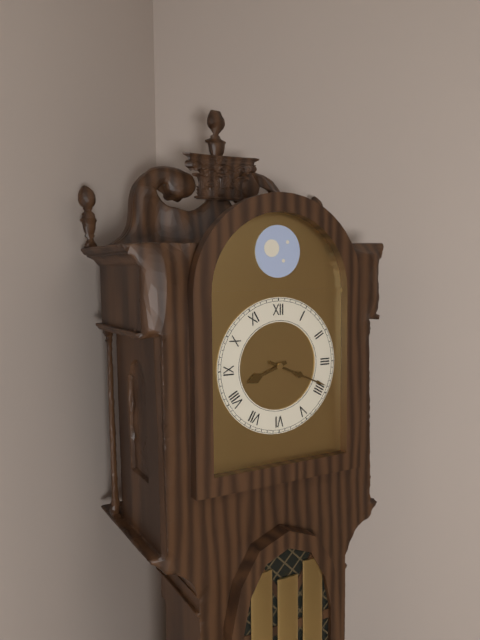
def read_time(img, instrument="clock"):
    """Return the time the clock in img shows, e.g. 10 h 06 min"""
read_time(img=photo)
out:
8 h 19 min
